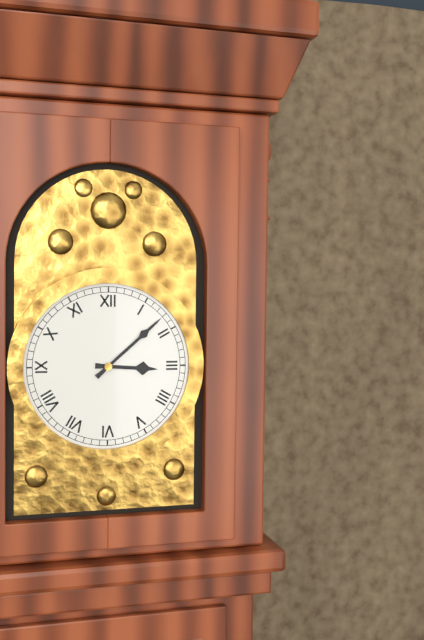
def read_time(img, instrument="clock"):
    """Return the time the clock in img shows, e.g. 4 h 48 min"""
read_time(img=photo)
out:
3 h 08 min
